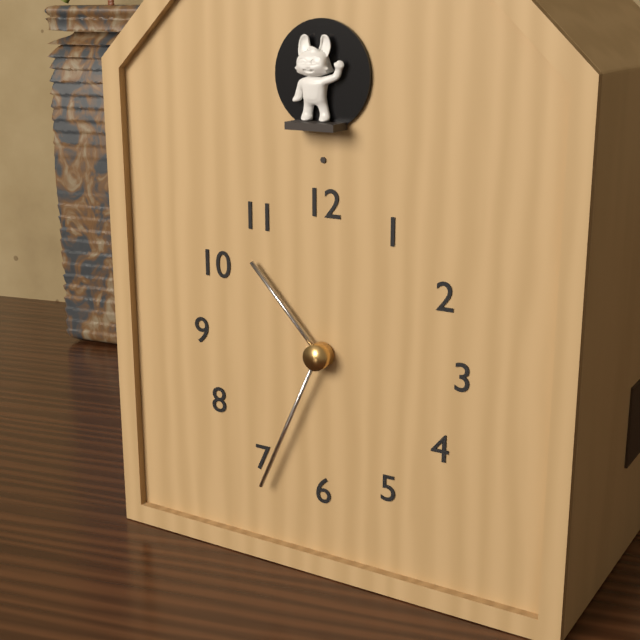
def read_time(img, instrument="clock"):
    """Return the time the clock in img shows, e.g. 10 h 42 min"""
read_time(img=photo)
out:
10 h 34 min
